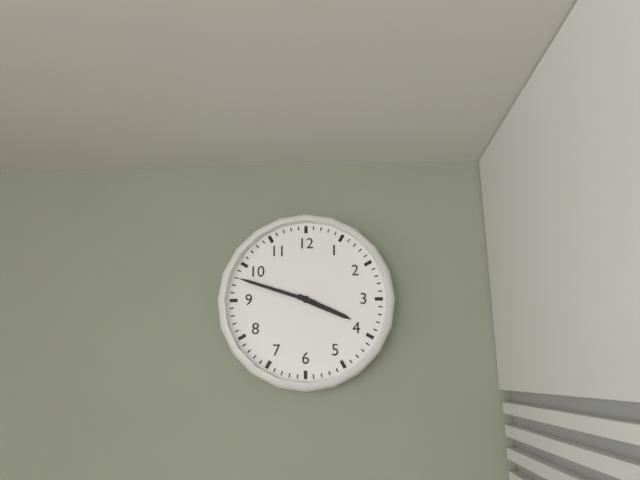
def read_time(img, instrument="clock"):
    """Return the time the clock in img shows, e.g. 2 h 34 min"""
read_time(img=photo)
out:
3 h 48 min
